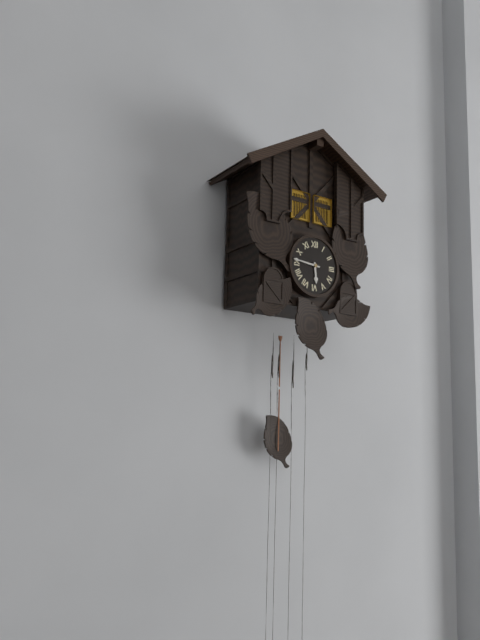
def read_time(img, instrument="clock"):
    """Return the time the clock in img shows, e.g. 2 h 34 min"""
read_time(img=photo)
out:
5 h 46 min
